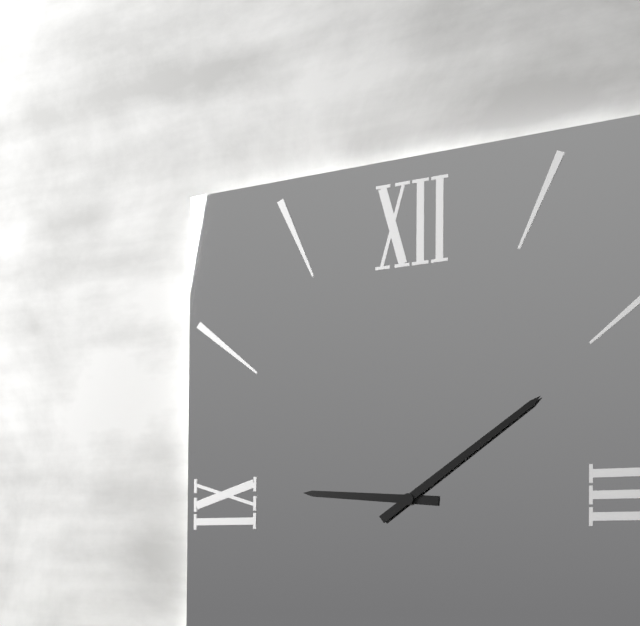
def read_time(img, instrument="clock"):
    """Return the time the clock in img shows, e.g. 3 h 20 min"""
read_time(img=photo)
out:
9 h 09 min
